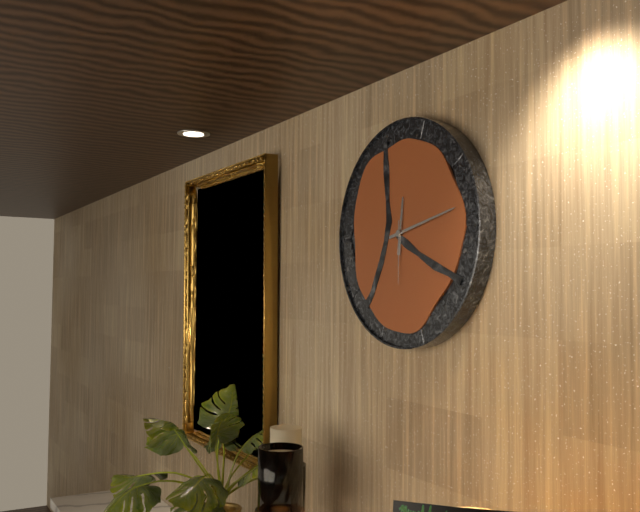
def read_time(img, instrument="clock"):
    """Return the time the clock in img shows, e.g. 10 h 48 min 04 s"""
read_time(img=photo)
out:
12 h 13 min 30 s
